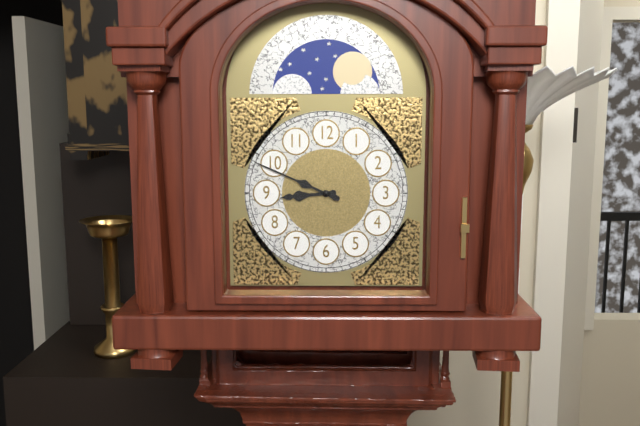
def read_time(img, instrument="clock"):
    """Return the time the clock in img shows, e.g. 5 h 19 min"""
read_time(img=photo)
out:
8 h 49 min
